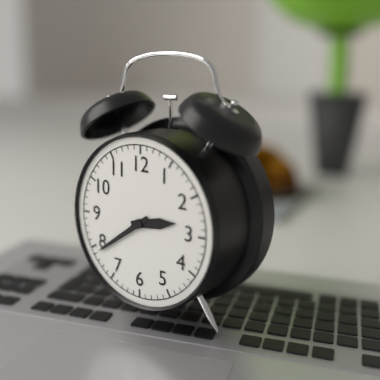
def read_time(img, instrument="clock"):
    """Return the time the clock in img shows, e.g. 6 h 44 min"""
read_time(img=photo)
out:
2 h 39 min
